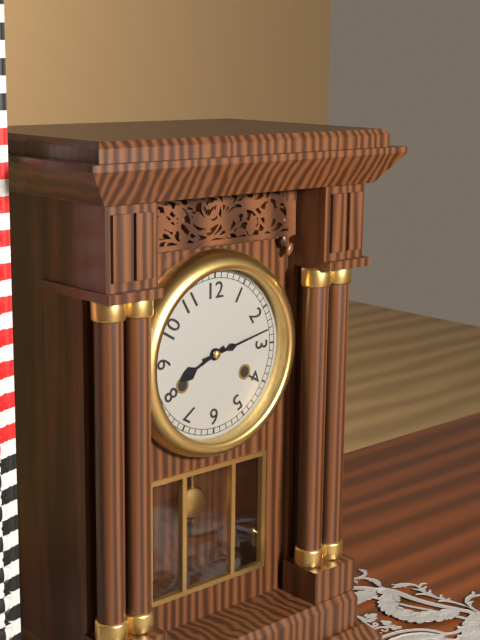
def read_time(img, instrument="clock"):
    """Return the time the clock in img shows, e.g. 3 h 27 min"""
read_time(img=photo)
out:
8 h 13 min
